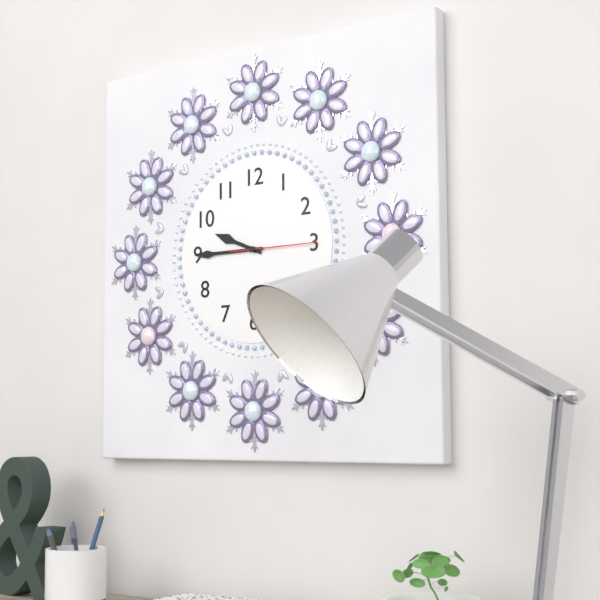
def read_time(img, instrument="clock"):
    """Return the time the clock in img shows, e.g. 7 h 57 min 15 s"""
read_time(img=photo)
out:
9 h 45 min 15 s
